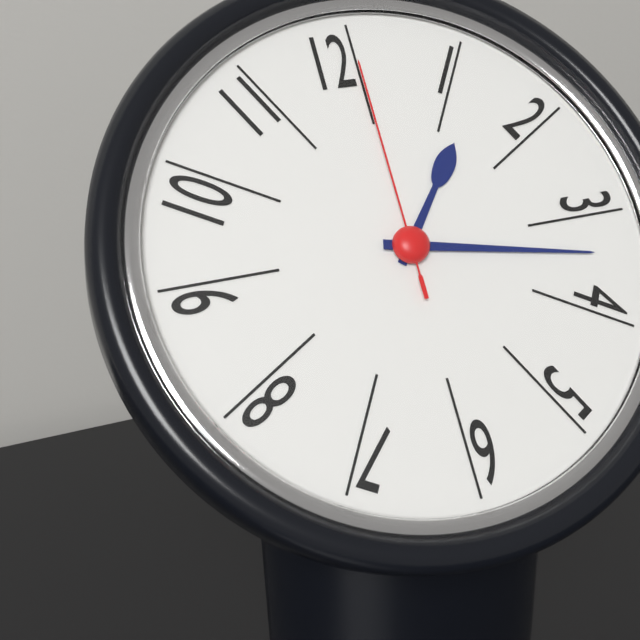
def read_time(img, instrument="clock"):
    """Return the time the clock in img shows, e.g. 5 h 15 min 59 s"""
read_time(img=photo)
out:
1 h 17 min 00 s
